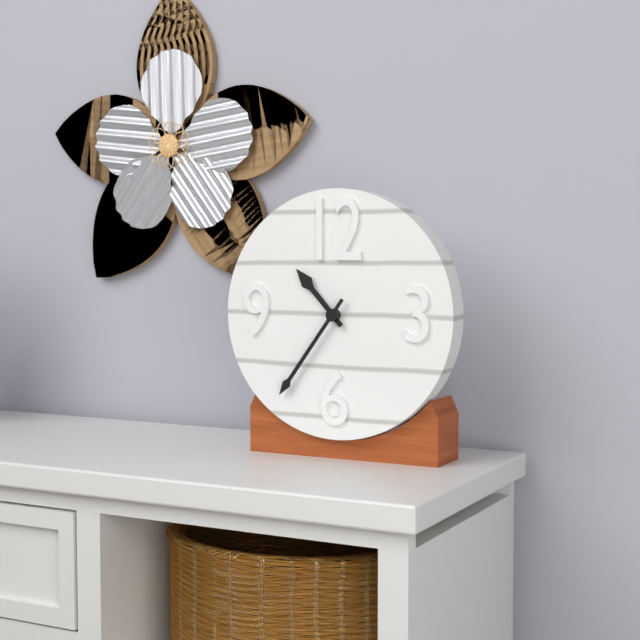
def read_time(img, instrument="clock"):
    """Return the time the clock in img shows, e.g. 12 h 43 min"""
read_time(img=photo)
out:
10 h 36 min
